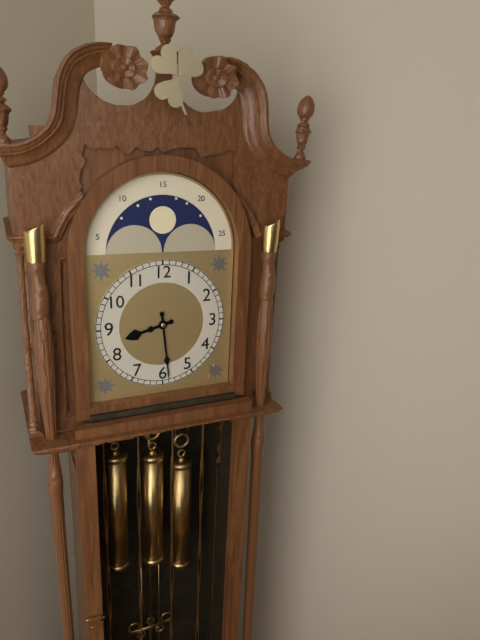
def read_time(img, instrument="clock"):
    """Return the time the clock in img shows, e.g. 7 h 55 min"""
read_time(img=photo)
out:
8 h 29 min
